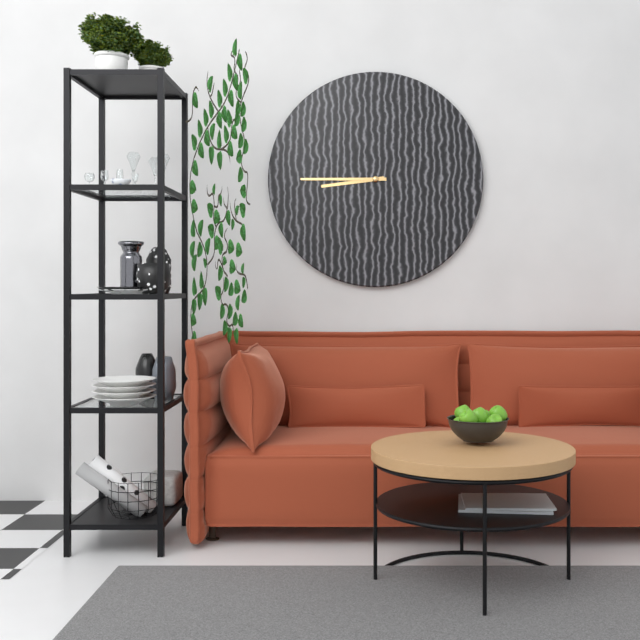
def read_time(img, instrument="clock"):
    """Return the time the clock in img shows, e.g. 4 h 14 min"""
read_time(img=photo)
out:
8 h 45 min
